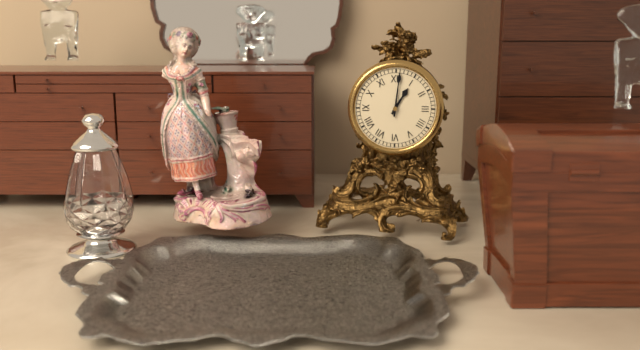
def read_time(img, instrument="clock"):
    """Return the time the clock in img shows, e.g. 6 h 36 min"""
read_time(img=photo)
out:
1 h 01 min
